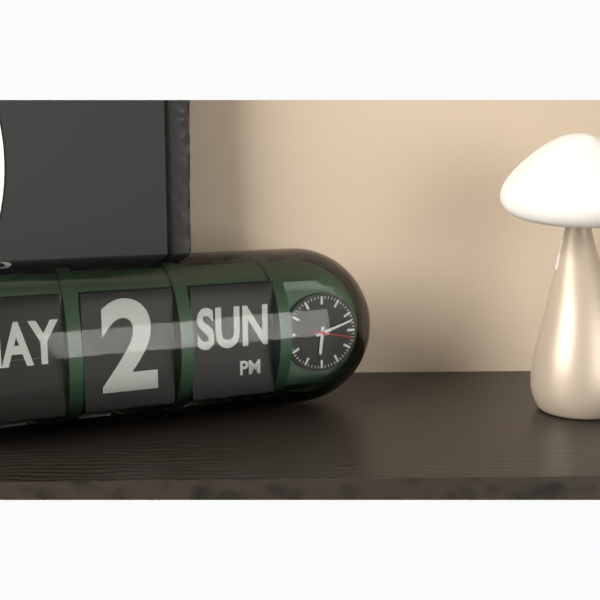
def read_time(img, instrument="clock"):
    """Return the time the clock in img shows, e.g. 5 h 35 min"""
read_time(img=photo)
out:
6 h 12 min
